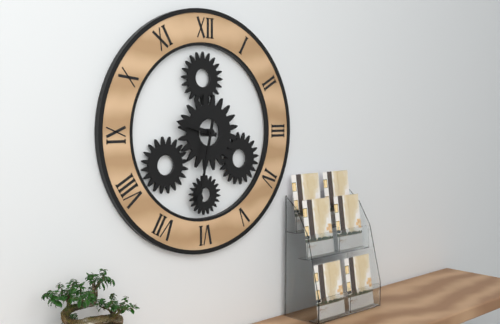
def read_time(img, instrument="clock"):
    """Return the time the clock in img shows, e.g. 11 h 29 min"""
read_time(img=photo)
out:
9 h 32 min
